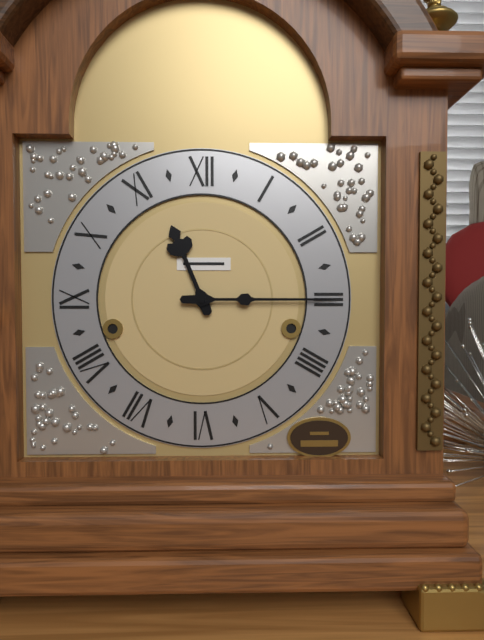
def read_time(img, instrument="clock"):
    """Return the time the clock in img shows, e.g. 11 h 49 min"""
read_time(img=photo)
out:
11 h 15 min
